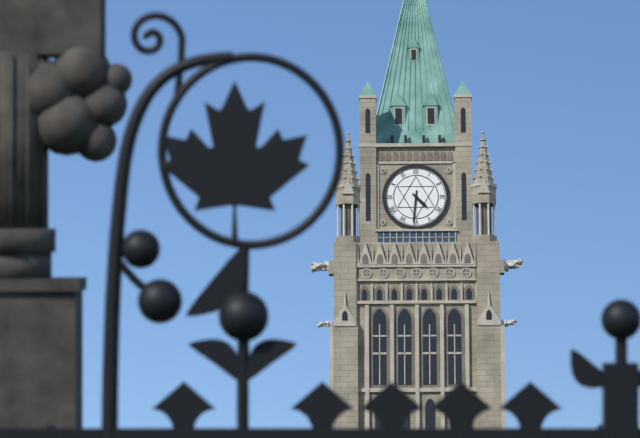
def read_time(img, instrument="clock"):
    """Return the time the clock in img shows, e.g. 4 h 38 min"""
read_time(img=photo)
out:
4 h 31 min
